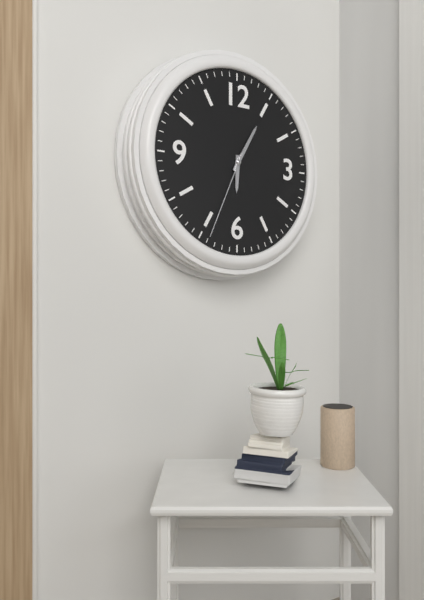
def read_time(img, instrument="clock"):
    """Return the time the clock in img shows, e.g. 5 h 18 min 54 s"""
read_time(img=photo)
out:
6 h 05 min 34 s
